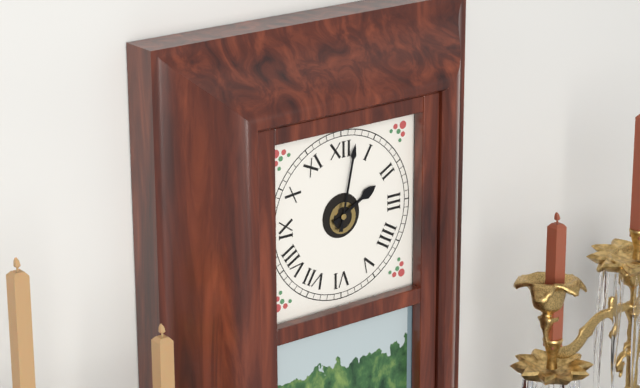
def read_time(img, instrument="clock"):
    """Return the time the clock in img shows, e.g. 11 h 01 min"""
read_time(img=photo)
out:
2 h 02 min
